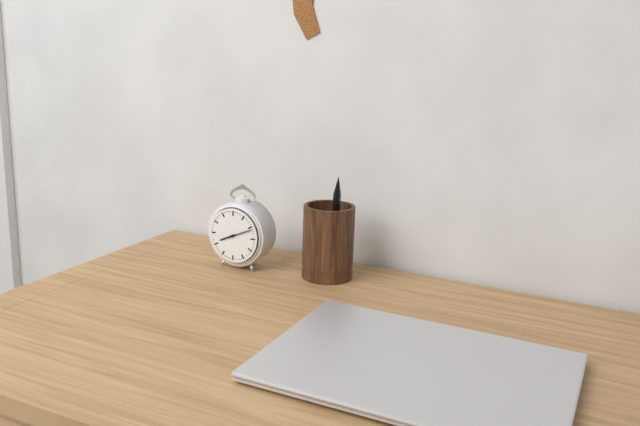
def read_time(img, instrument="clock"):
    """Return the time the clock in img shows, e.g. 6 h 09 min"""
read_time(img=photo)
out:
8 h 11 min
